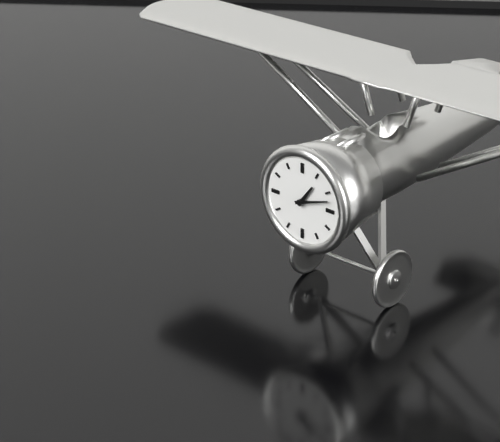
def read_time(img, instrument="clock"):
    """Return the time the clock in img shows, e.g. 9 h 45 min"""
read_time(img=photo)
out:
1 h 12 min
